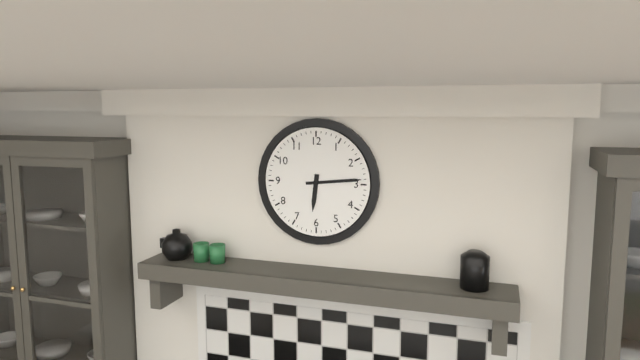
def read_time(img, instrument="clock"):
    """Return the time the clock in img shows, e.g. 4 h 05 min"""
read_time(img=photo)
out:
6 h 14 min
